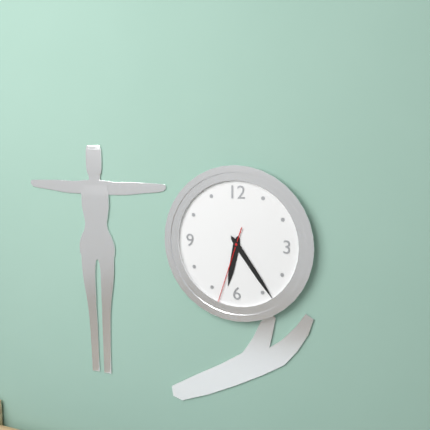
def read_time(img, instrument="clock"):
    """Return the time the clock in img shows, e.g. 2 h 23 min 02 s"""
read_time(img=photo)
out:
6 h 24 min 33 s
